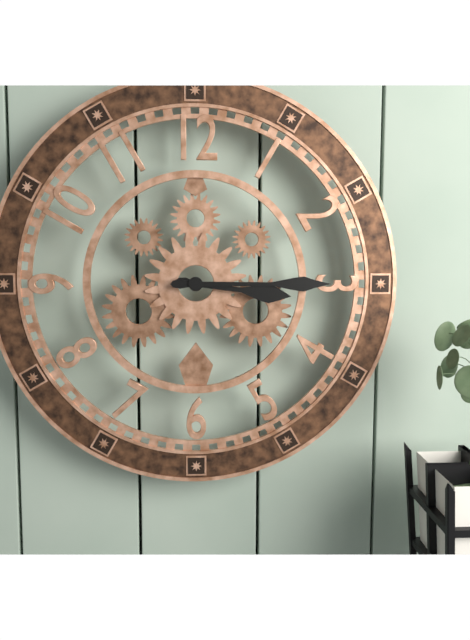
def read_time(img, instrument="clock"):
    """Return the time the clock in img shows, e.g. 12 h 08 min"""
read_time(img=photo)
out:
3 h 15 min
